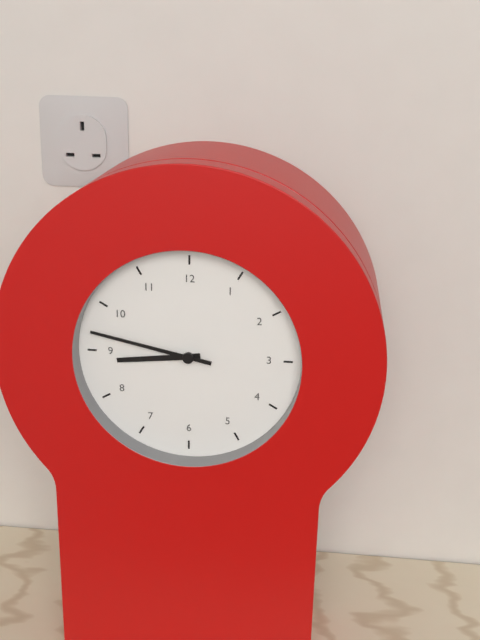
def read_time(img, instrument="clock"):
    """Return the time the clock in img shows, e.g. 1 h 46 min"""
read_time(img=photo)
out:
8 h 47 min
